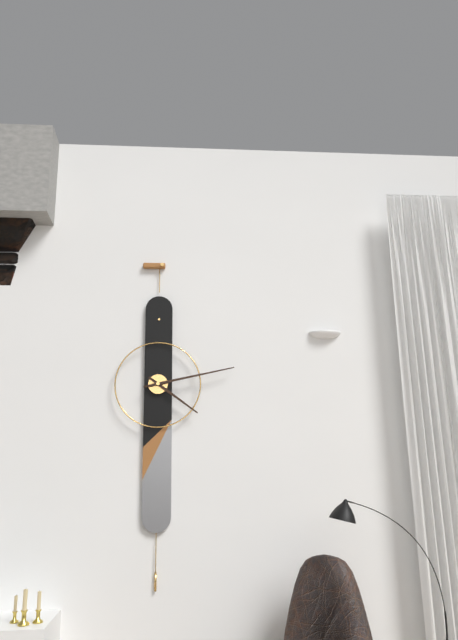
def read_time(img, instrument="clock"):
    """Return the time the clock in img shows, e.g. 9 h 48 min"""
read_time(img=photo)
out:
4 h 13 min
